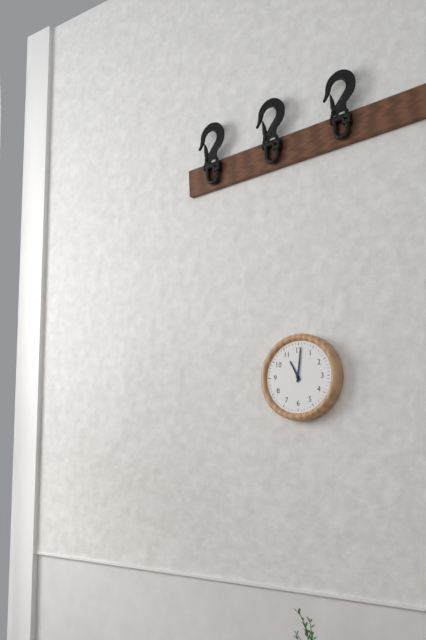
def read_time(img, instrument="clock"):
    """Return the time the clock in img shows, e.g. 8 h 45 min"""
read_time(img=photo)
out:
11 h 01 min
